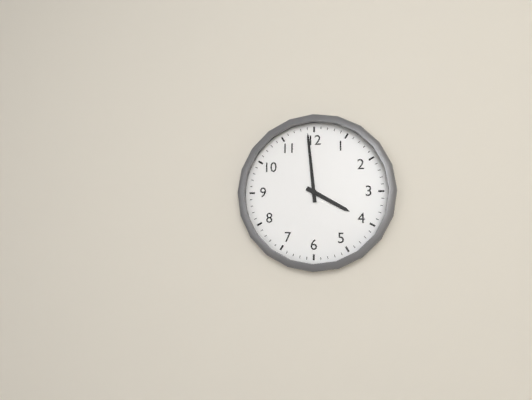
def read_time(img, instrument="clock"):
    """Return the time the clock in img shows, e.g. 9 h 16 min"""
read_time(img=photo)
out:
3 h 59 min
